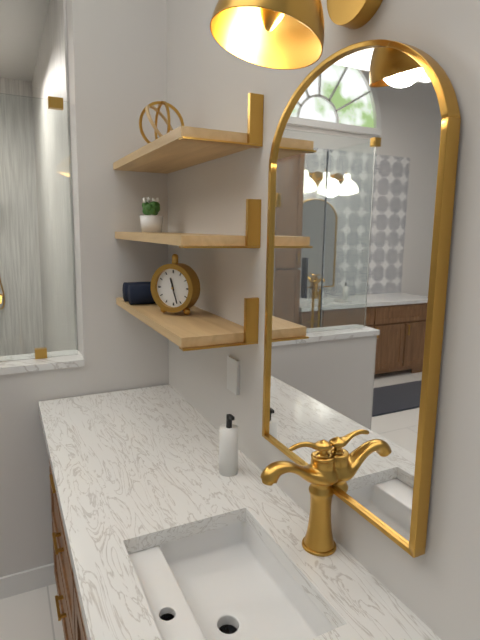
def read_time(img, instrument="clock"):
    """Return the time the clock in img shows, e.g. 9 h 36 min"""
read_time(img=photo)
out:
11 h 27 min
